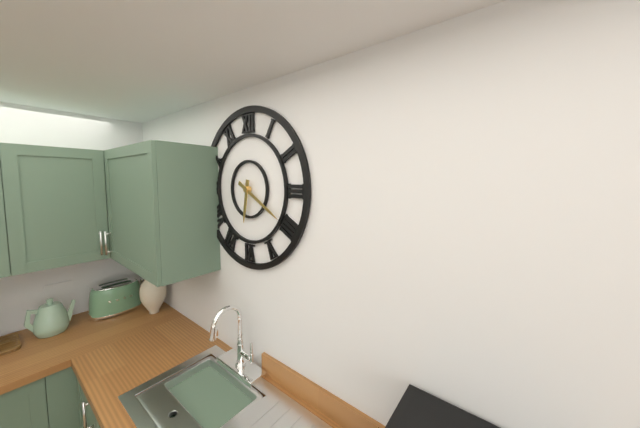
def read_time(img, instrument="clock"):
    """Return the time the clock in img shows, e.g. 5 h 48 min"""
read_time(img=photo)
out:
6 h 20 min
